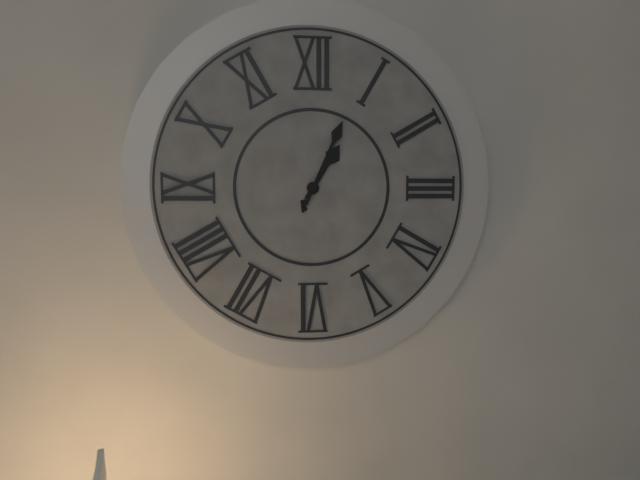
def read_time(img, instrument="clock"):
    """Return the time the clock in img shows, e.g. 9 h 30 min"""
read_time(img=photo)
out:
1 h 04 min
